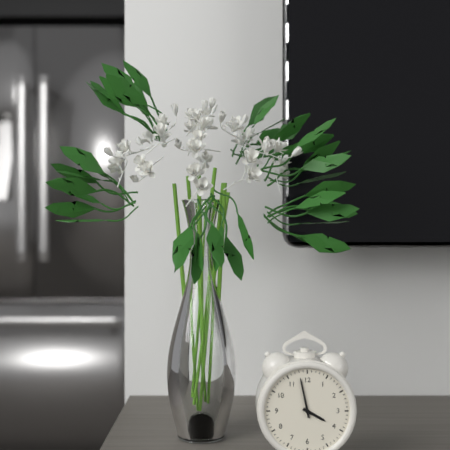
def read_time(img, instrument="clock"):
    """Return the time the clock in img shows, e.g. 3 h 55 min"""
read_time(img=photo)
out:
3 h 58 min
